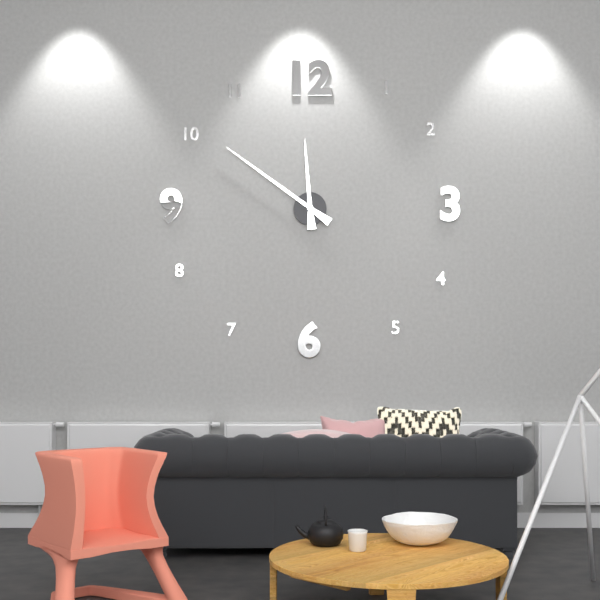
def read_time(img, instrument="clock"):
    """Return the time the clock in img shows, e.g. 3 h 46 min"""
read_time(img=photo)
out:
11 h 51 min
